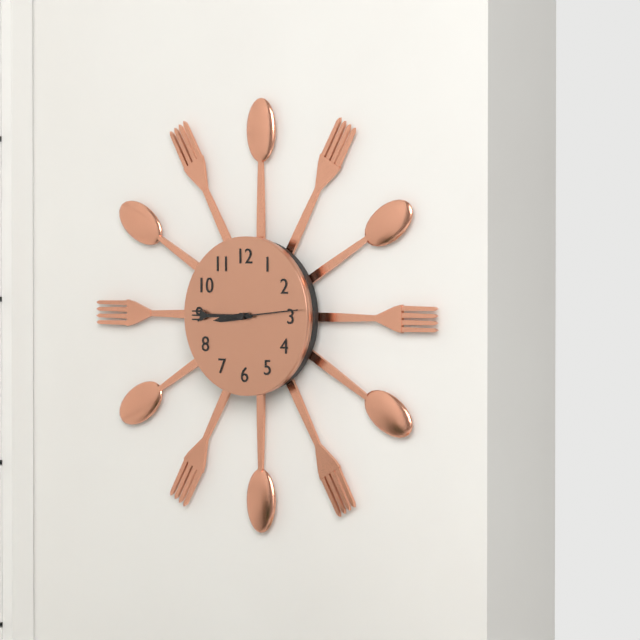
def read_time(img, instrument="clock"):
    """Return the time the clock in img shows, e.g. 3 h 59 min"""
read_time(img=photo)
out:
8 h 45 min
